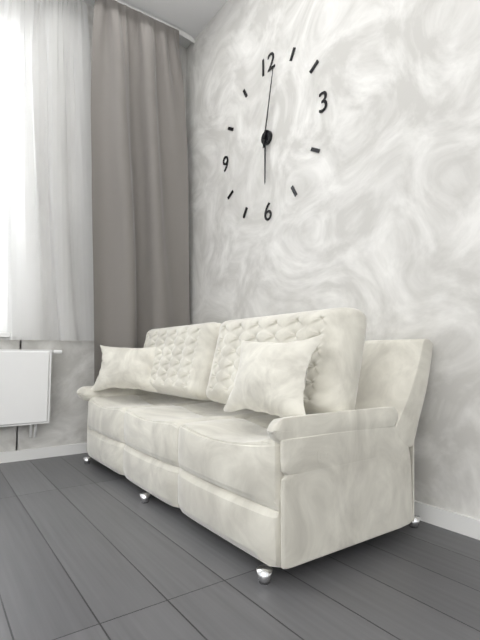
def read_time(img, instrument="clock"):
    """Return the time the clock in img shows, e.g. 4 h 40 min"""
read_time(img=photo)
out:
6 h 02 min
